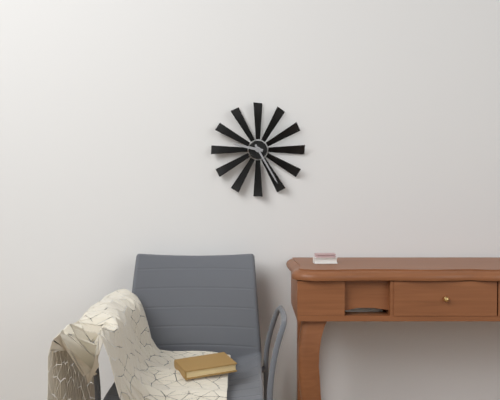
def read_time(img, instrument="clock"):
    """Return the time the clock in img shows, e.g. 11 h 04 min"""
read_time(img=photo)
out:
9 h 25 min
